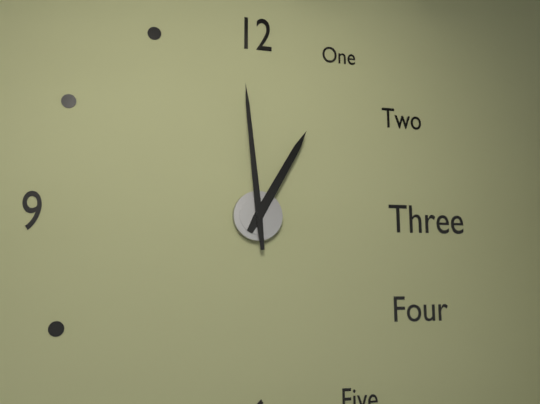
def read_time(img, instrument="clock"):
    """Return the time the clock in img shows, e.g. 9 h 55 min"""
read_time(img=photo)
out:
12 h 59 min
